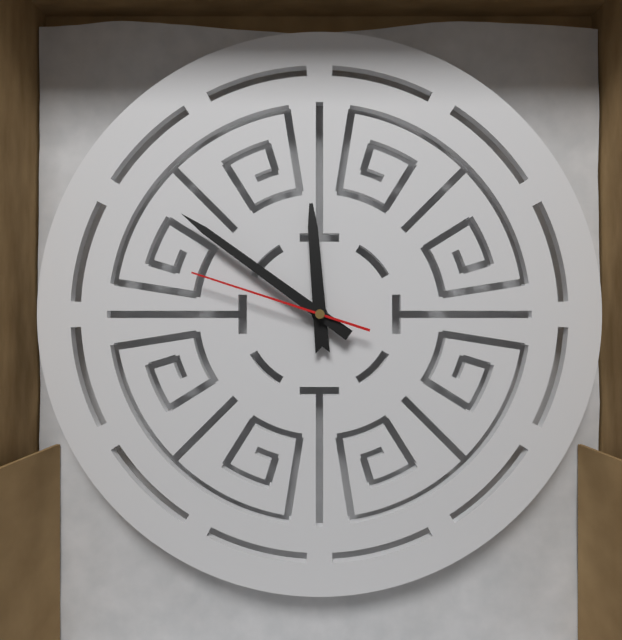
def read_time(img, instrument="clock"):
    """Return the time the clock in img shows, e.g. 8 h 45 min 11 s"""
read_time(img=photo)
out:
11 h 51 min 48 s
